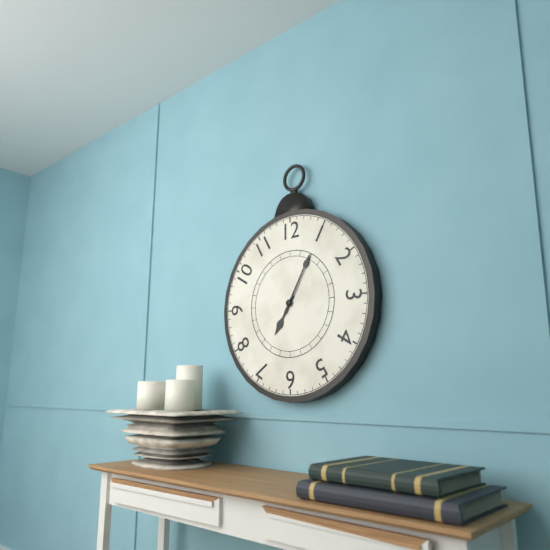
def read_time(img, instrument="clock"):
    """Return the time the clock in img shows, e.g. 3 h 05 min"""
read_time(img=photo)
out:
7 h 05 min
